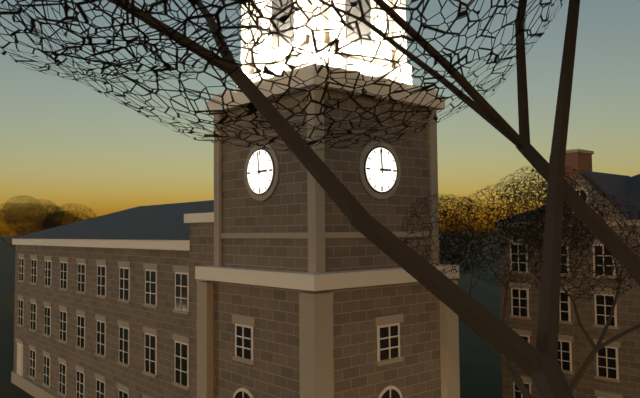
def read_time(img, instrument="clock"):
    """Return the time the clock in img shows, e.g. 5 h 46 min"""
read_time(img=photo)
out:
2 h 59 min
